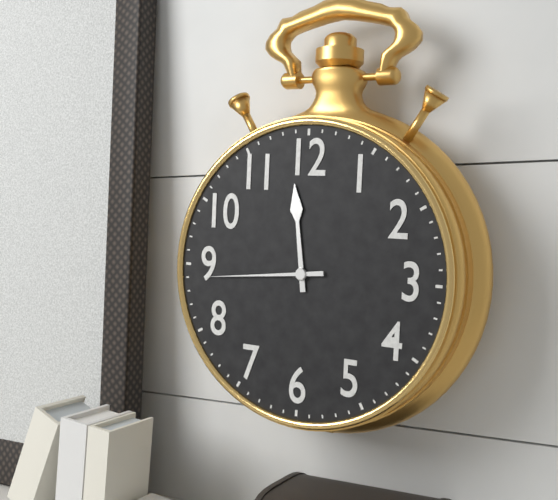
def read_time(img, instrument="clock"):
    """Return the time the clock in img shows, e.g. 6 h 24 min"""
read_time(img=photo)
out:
11 h 44 min
